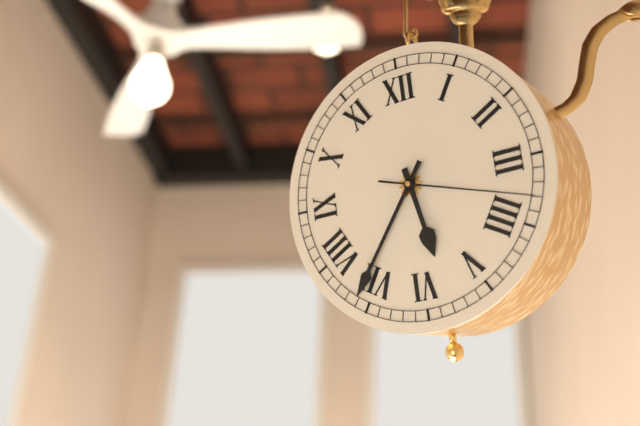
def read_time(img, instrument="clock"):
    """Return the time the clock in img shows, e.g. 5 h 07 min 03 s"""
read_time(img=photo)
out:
5 h 36 min 18 s
